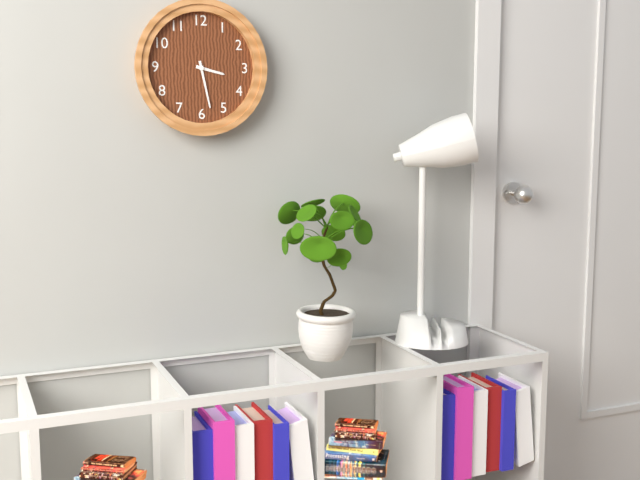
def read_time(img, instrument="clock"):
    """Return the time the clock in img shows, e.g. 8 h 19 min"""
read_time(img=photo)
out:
3 h 28 min
